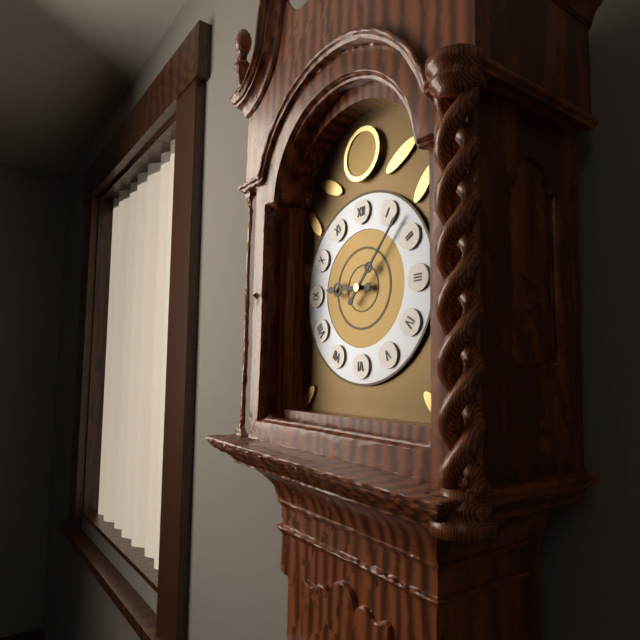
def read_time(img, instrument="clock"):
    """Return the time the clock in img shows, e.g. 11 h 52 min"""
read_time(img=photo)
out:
9 h 07 min
